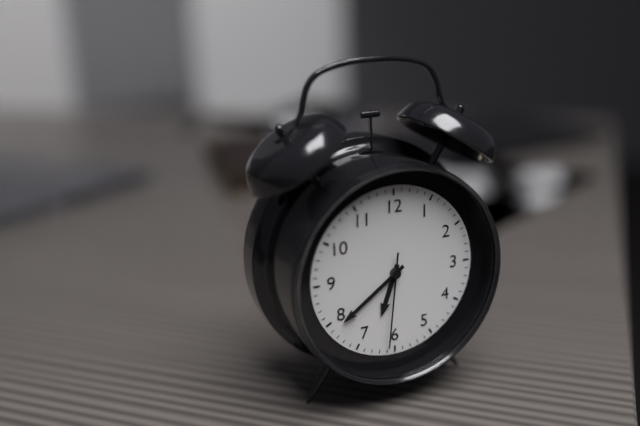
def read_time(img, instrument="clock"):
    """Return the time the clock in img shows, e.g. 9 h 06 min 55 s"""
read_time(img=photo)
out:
6 h 39 min 31 s
